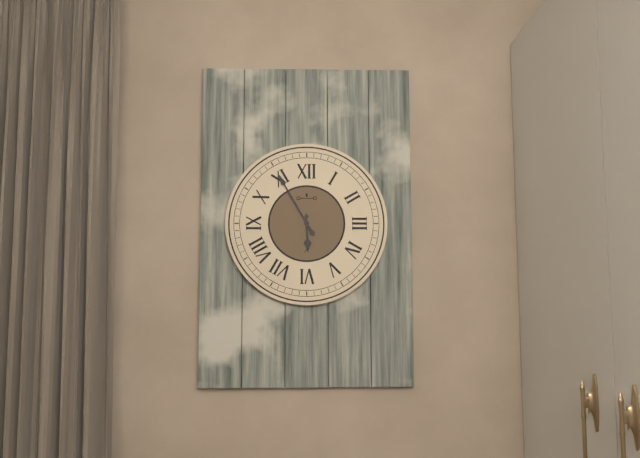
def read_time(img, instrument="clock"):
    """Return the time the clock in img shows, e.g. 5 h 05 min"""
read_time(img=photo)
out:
5 h 55 min
